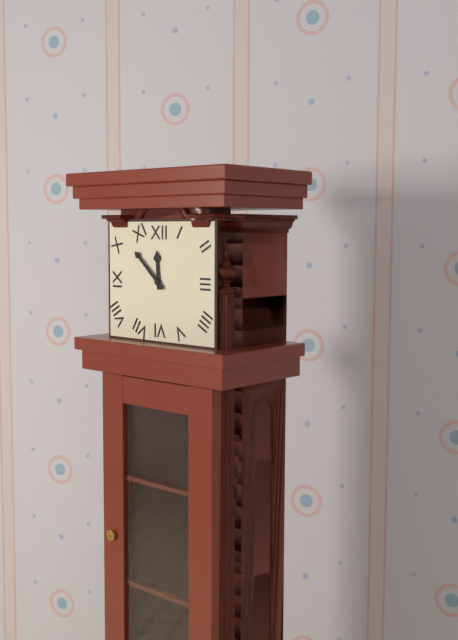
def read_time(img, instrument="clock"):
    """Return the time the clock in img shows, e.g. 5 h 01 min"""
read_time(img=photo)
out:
11 h 52 min
